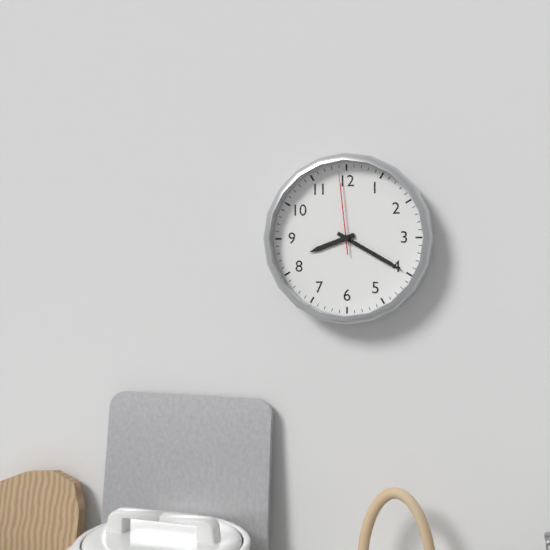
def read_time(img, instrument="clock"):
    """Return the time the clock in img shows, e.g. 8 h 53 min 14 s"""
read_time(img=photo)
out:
8 h 20 min 59 s
